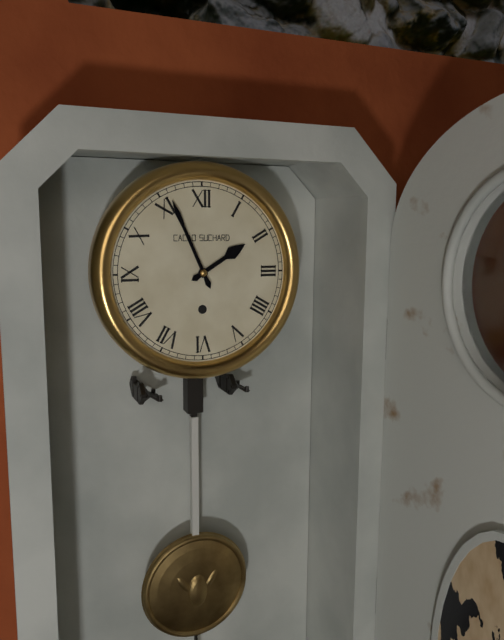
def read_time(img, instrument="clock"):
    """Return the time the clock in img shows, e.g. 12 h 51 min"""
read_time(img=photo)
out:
1 h 56 min
